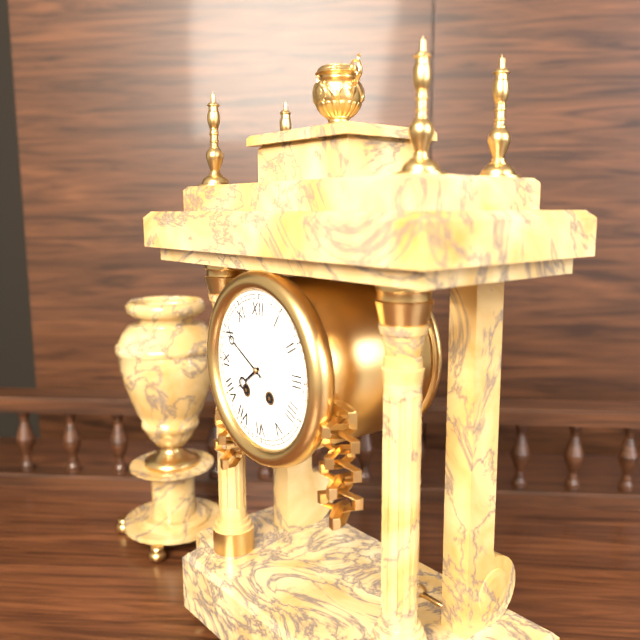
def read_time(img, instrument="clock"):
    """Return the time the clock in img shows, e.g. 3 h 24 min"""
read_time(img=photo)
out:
7 h 50 min
